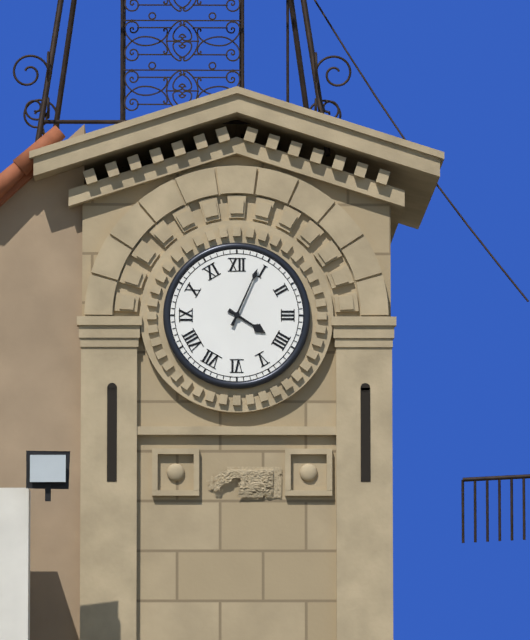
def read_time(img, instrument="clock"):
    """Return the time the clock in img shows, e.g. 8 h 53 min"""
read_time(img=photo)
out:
4 h 04 min
